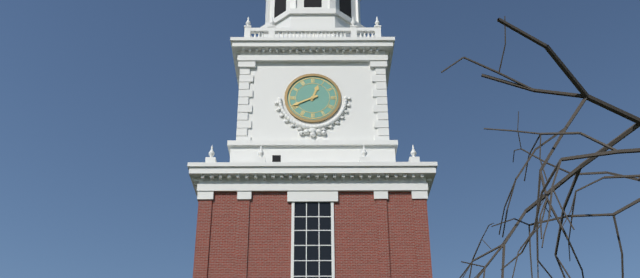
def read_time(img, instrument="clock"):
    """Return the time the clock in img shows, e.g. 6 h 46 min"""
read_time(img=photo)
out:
12 h 41 min
